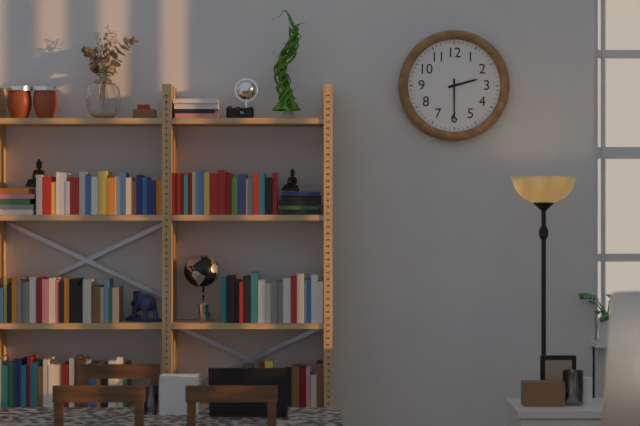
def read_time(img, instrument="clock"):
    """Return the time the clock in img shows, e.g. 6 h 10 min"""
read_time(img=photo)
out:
2 h 30 min
